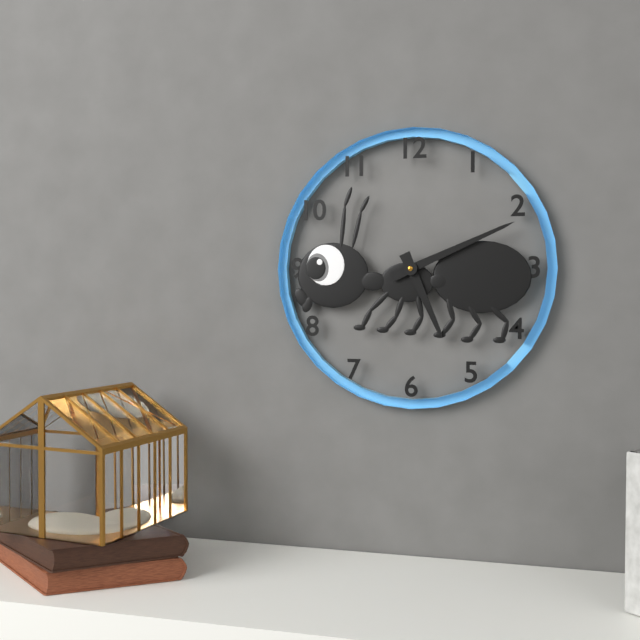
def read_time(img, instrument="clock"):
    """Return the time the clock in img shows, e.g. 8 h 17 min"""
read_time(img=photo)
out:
5 h 11 min
